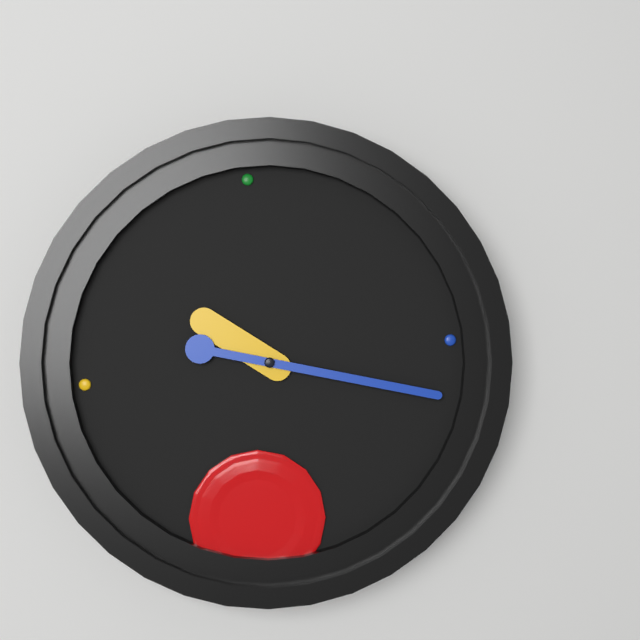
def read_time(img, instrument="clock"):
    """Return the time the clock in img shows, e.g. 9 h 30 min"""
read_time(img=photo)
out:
10 h 18 min
